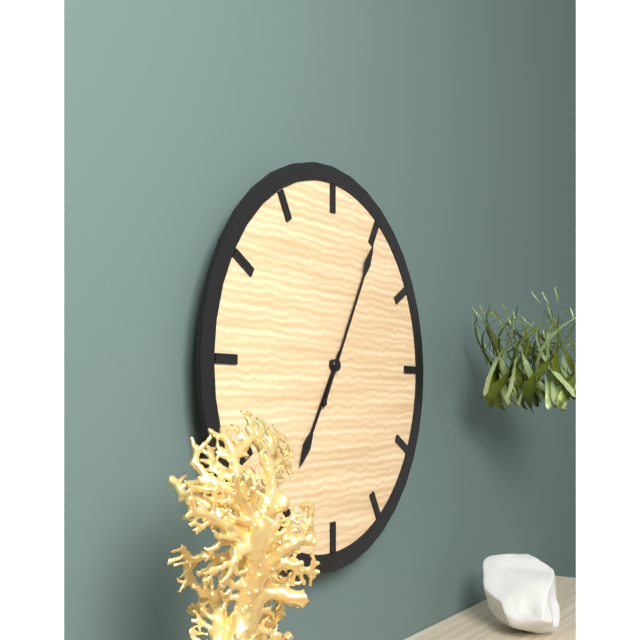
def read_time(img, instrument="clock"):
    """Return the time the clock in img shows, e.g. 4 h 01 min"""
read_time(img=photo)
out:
7 h 05 min
